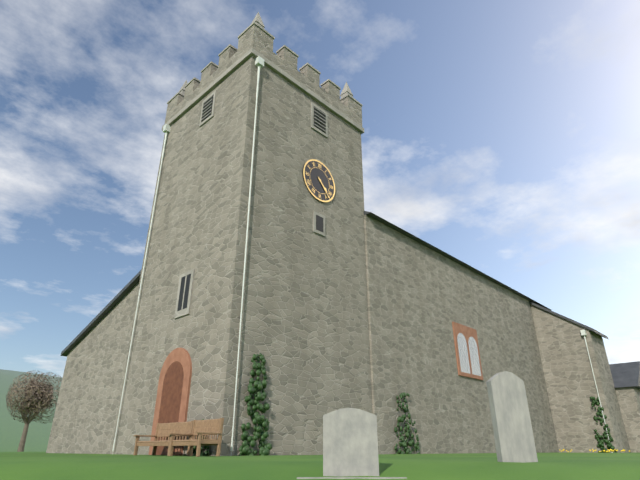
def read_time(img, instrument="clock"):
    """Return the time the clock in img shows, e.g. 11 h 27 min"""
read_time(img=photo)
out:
4 h 23 min
